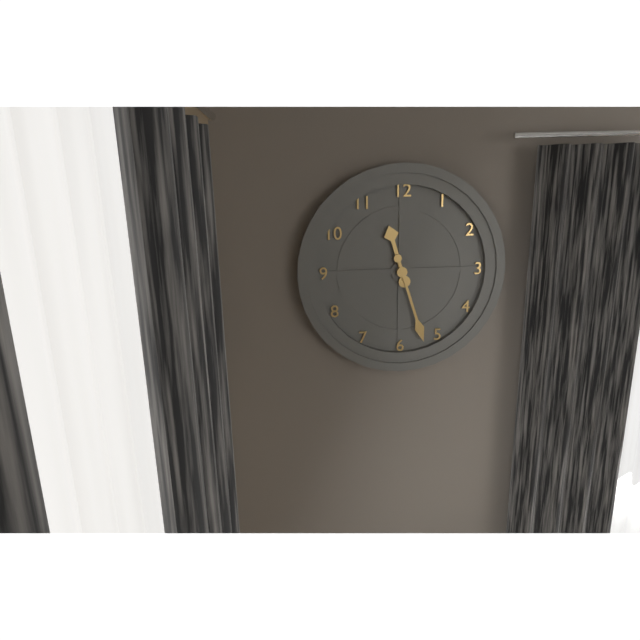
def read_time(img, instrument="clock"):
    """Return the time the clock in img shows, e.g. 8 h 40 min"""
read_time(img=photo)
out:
11 h 27 min
